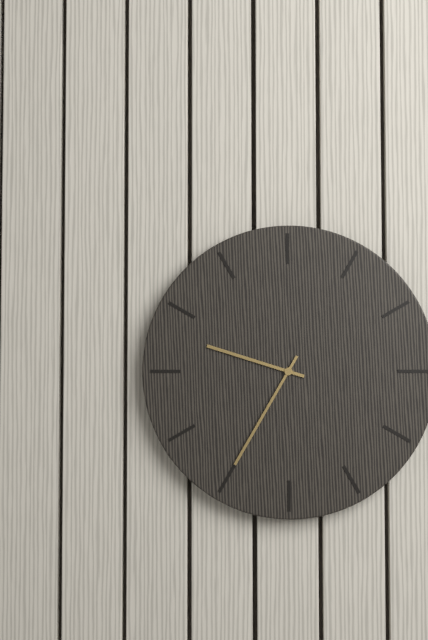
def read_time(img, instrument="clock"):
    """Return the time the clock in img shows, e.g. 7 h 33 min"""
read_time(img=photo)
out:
9 h 35 min
